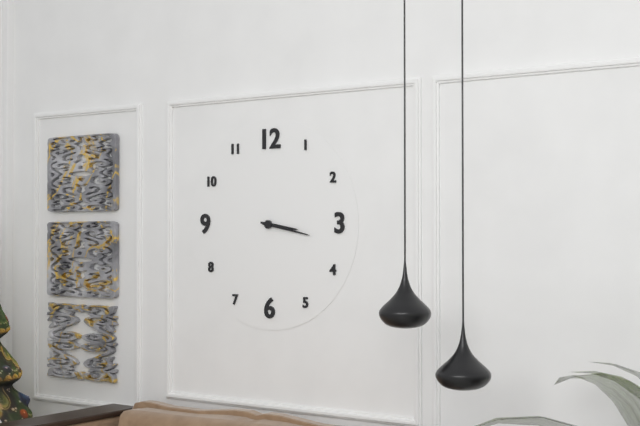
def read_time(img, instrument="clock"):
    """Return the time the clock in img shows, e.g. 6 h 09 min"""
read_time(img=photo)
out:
3 h 17 min
